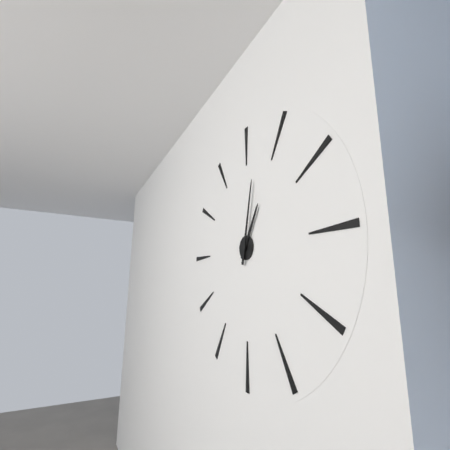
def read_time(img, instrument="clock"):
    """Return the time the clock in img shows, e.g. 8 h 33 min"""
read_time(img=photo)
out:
1 h 02 min
